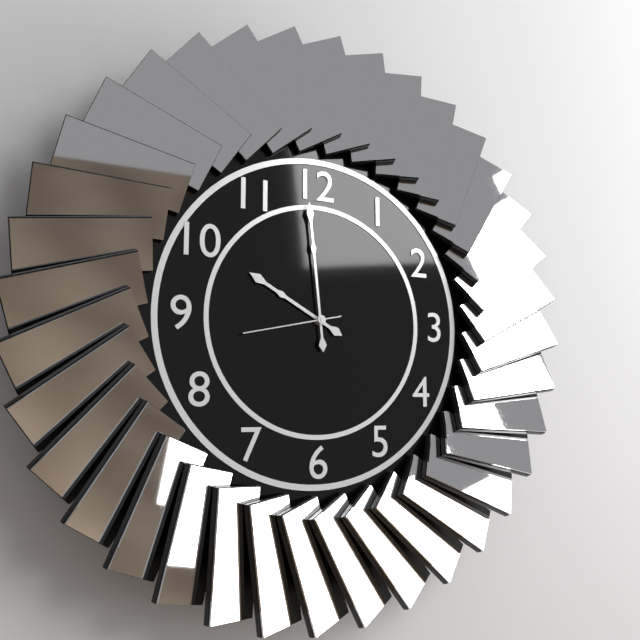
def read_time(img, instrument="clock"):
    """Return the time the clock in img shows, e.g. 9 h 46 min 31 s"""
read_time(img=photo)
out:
9 h 59 min 43 s
